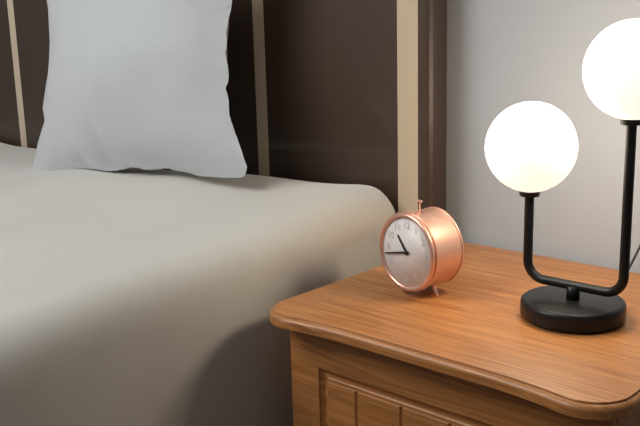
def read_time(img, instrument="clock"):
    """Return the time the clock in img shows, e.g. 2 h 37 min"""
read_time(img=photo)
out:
10 h 43 min
